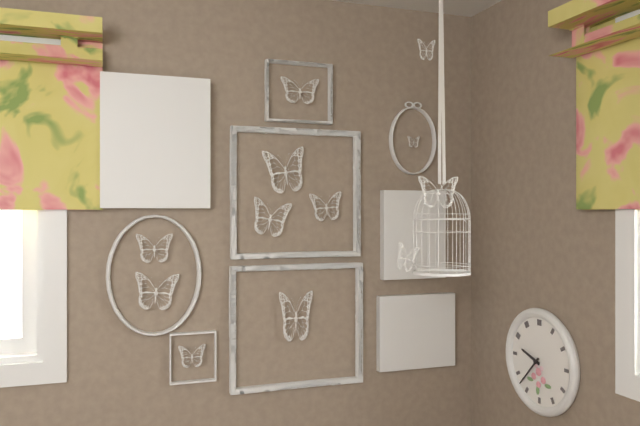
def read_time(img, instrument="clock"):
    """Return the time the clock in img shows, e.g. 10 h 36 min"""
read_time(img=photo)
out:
9 h 37 min
